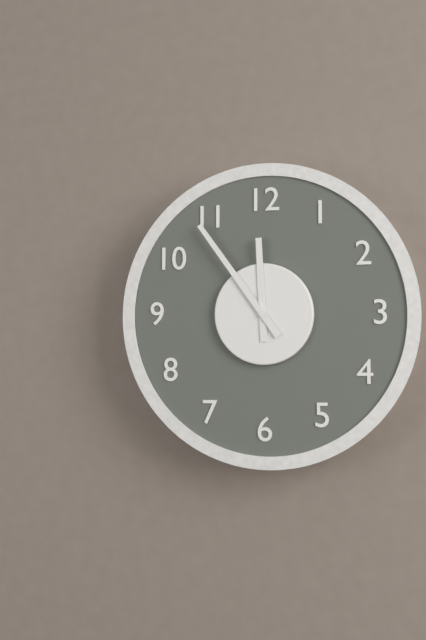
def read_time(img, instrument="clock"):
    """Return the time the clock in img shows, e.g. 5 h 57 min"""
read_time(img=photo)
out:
11 h 54 min
